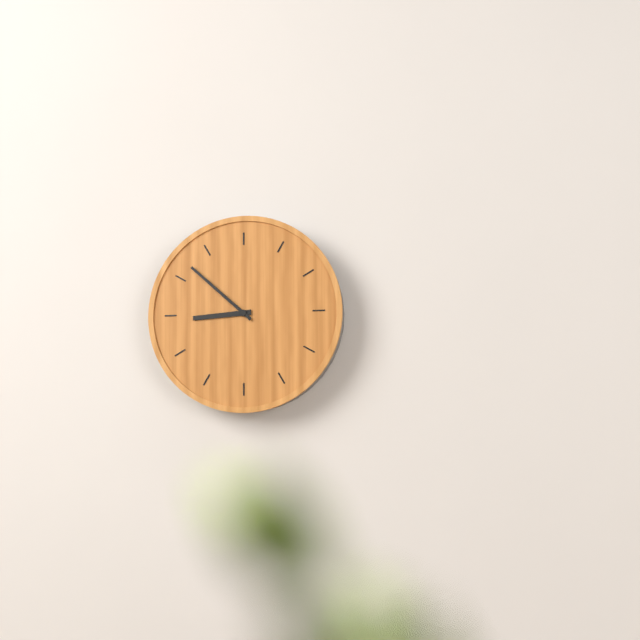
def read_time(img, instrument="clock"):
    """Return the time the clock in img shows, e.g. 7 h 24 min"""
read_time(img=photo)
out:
8 h 52 min
